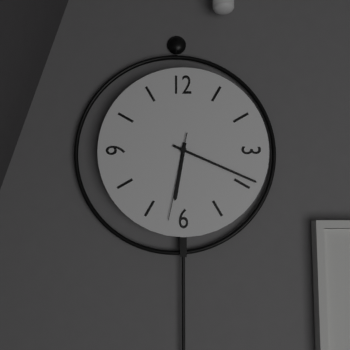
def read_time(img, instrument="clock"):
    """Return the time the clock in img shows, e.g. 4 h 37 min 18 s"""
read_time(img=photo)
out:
6 h 19 min 32 s
